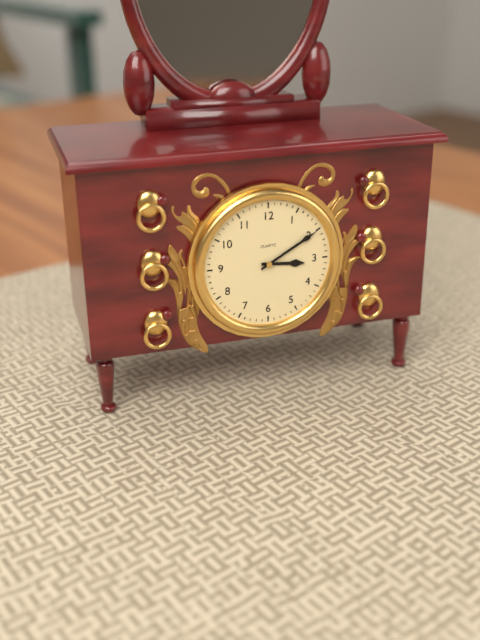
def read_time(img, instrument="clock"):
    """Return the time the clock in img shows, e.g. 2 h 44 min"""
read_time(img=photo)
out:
3 h 10 min
